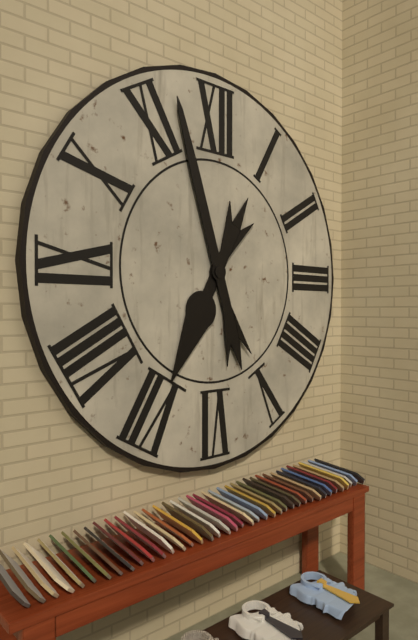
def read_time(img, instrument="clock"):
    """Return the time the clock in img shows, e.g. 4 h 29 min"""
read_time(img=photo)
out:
6 h 57 min
